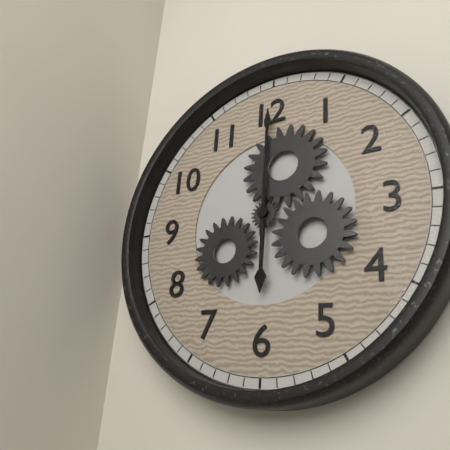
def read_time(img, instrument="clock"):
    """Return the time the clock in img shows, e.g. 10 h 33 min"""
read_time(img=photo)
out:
6 h 00 min
